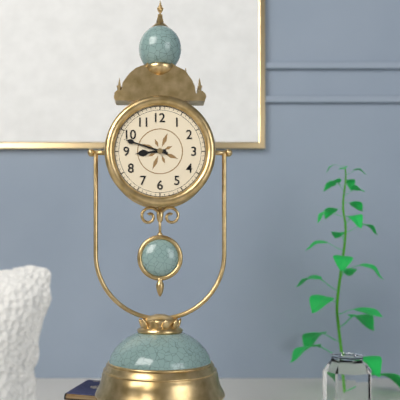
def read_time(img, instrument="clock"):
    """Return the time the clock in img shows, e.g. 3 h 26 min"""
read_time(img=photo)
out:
8 h 48 min
